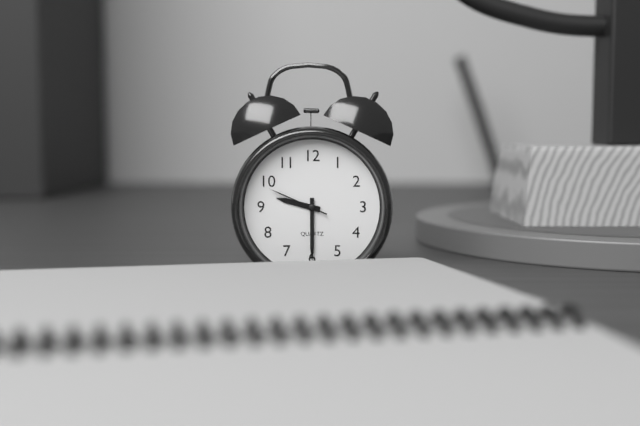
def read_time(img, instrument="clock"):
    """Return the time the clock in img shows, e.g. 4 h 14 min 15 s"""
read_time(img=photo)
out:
9 h 30 min 49 s
